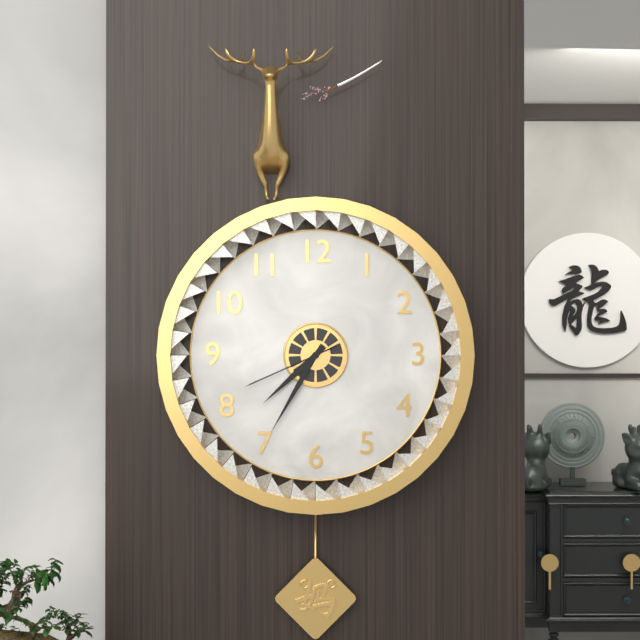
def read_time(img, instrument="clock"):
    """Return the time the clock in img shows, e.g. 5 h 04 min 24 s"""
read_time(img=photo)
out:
7 h 35 min 41 s
